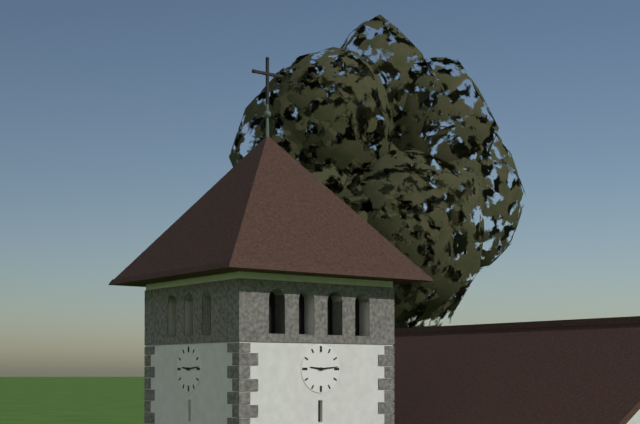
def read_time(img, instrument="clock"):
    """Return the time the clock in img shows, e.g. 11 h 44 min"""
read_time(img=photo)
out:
9 h 14 min
